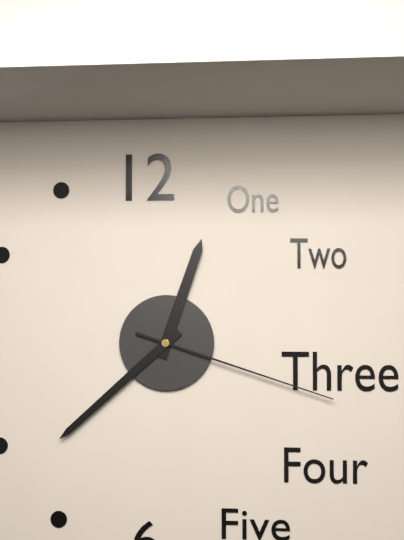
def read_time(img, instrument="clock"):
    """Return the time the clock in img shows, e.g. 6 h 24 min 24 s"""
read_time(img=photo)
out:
12 h 38 min 18 s
